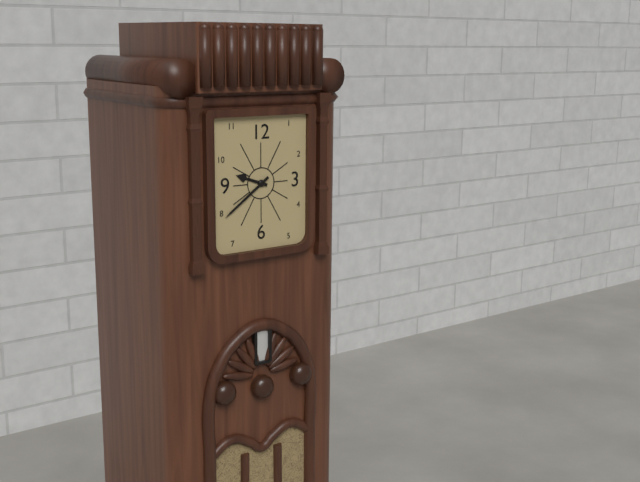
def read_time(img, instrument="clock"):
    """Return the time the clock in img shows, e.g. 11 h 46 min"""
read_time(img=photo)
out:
9 h 39 min
